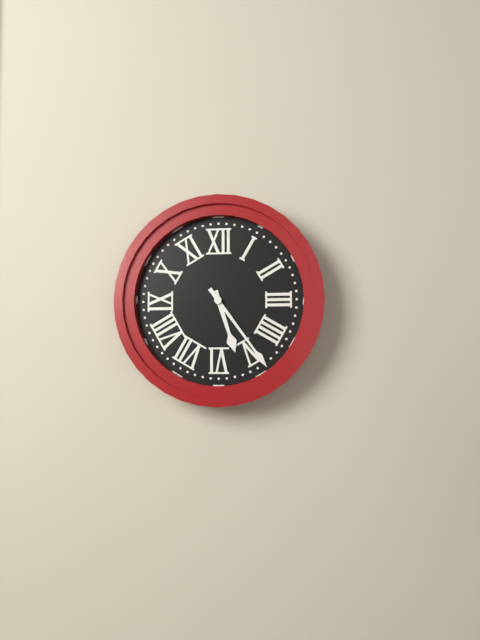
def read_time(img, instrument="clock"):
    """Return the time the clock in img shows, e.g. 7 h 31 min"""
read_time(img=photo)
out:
5 h 24 min
